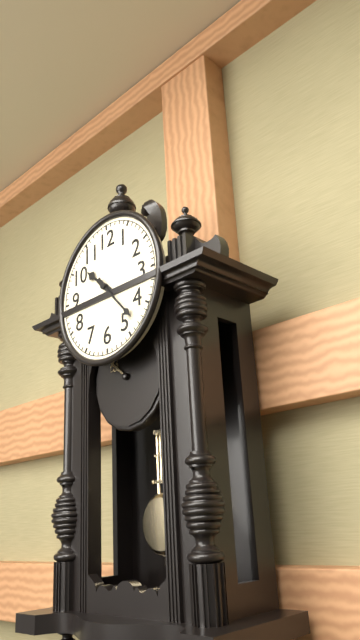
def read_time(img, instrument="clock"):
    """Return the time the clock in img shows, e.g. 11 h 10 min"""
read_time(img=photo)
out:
10 h 23 min
